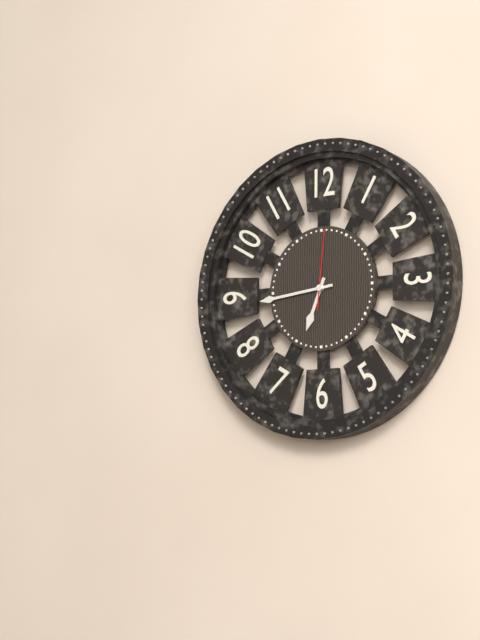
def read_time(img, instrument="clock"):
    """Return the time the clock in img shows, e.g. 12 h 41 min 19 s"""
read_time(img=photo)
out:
6 h 44 min 01 s
